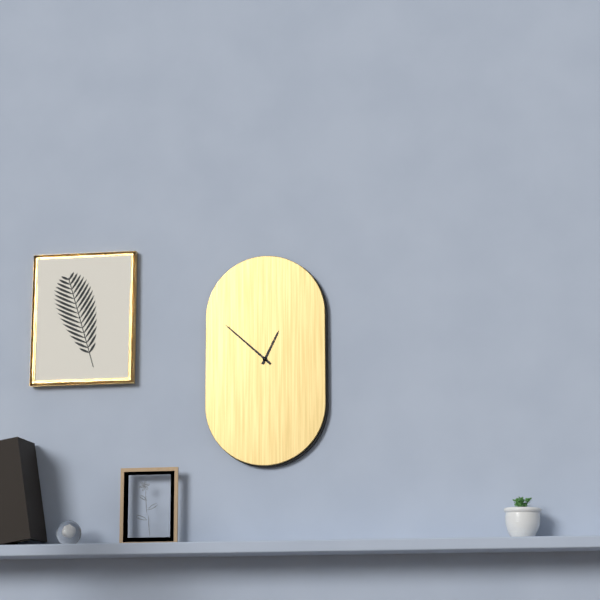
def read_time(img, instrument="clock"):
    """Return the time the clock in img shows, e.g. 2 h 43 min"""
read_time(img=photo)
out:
12 h 52 min
